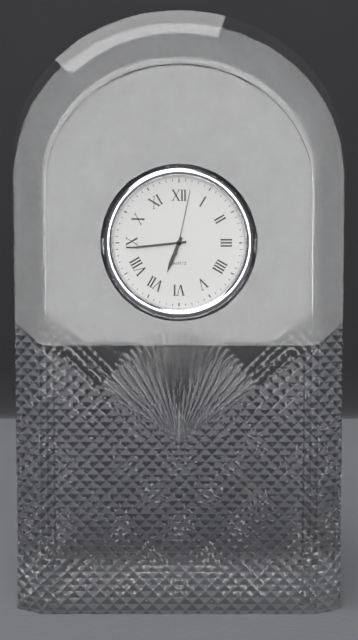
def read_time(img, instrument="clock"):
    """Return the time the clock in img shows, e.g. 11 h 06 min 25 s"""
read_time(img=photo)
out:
6 h 44 min 02 s
